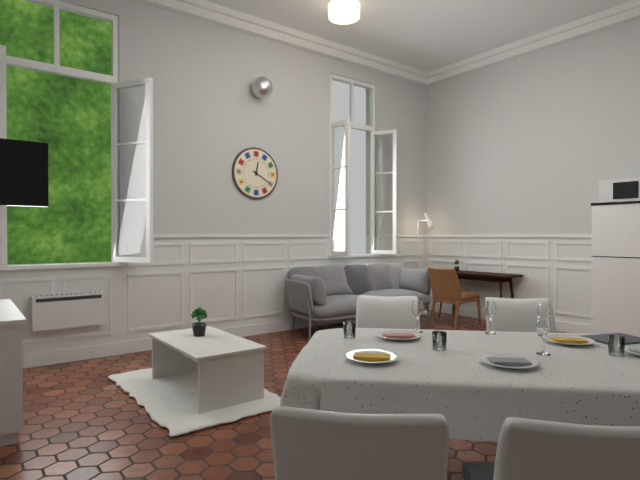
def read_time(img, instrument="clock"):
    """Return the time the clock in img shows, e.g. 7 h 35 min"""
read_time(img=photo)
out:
12 h 20 min
